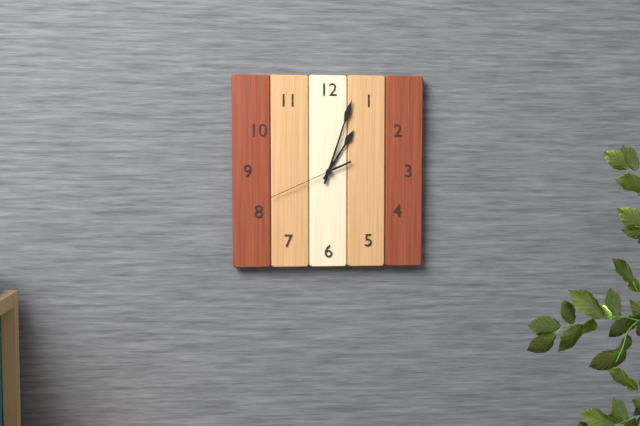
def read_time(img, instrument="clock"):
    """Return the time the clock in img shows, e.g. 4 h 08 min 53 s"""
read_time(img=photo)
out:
1 h 03 min 41 s
